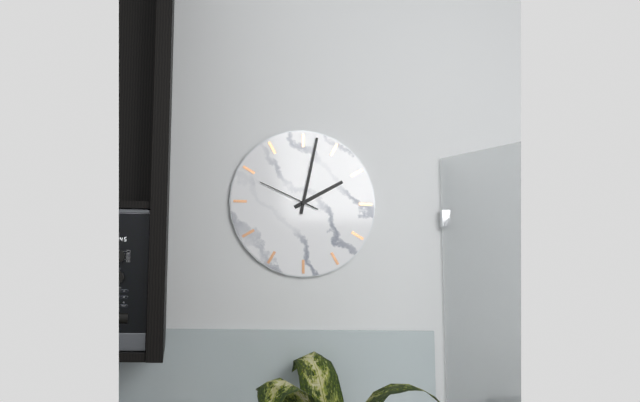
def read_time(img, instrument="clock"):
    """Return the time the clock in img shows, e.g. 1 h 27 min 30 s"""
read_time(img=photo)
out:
2 h 02 min 49 s
